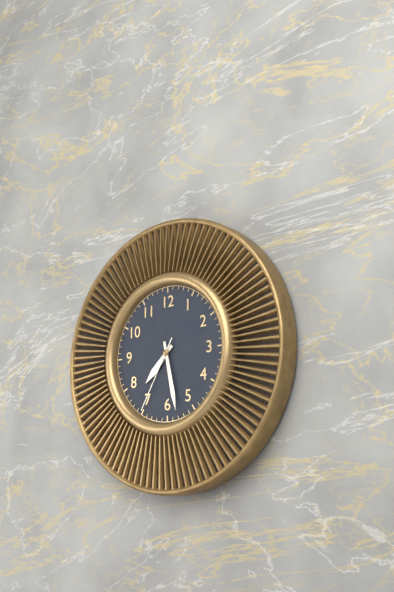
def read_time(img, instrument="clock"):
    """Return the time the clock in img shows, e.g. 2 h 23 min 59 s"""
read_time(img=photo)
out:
7 h 28 min 35 s
